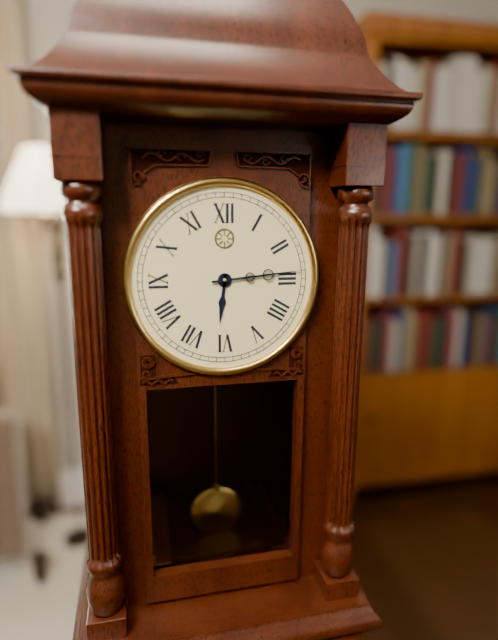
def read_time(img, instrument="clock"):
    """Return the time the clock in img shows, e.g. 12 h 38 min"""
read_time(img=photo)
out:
6 h 14 min
